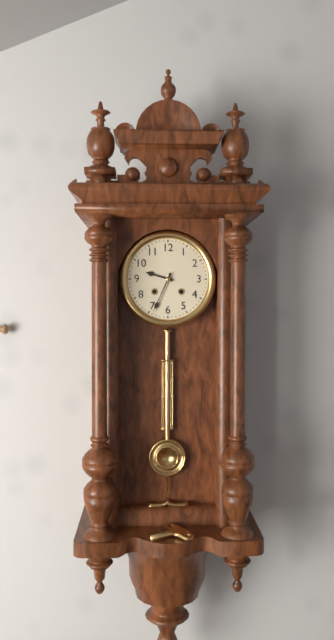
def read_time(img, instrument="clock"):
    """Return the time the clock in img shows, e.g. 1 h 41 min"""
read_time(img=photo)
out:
9 h 34 min
